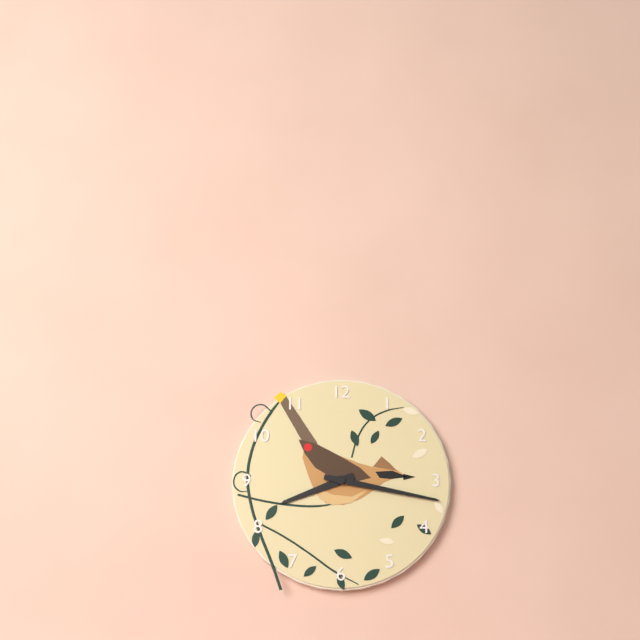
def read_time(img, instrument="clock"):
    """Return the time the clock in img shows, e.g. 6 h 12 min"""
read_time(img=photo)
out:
8 h 17 min
